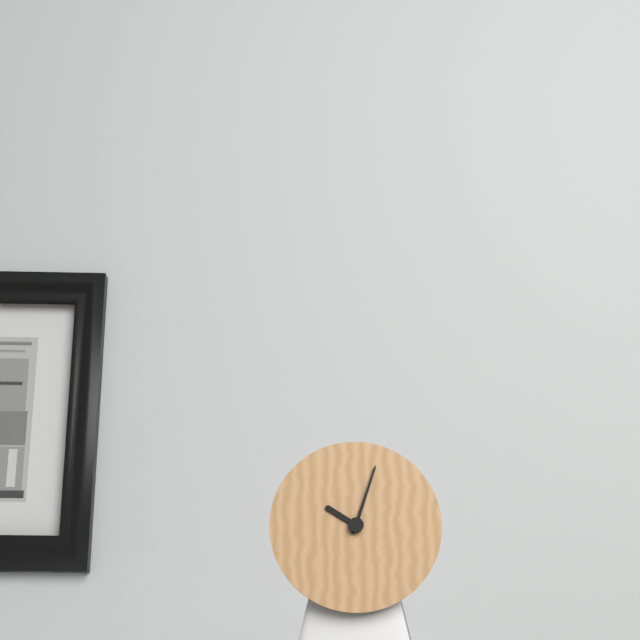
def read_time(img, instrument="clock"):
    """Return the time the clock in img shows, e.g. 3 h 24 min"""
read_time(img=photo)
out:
10 h 03 min
